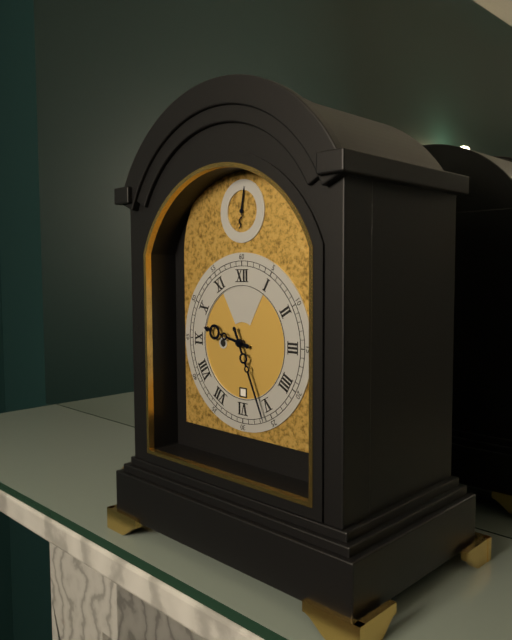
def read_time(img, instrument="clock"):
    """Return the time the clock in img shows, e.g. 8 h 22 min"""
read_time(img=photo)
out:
9 h 26 min
